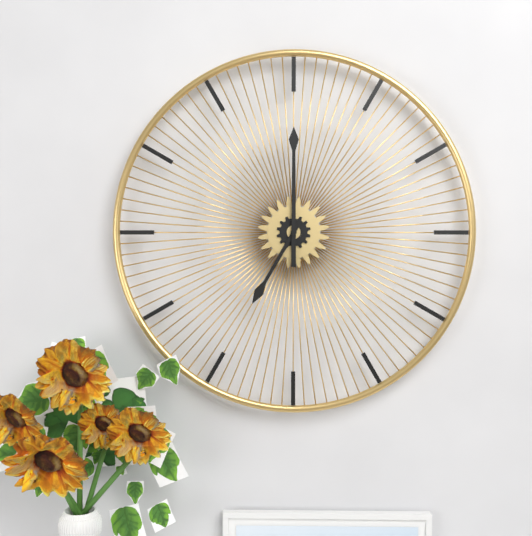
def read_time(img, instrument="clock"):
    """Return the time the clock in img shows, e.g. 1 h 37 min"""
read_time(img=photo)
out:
7 h 00 min
